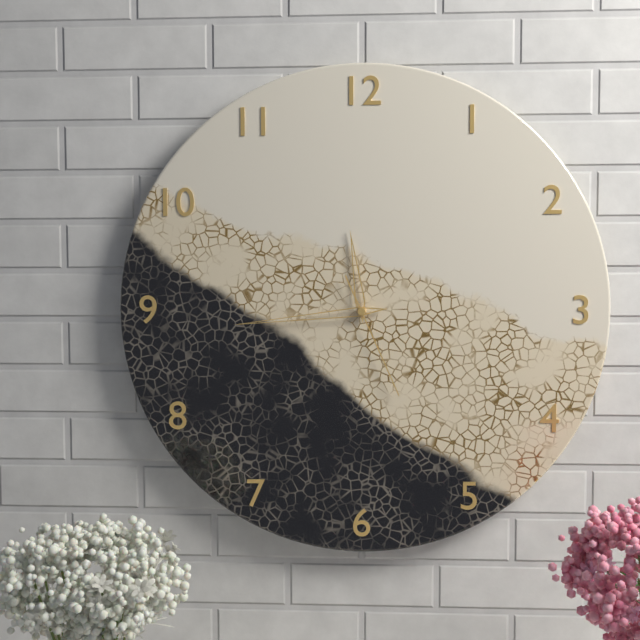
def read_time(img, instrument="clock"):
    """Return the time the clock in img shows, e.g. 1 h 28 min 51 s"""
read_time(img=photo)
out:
11 h 44 min 26 s
